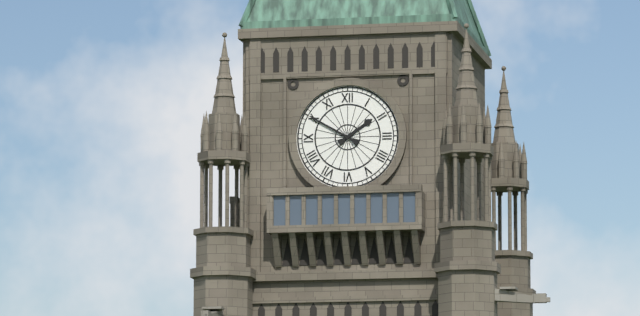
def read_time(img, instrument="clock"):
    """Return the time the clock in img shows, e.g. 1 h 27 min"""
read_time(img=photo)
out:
1 h 50 min
